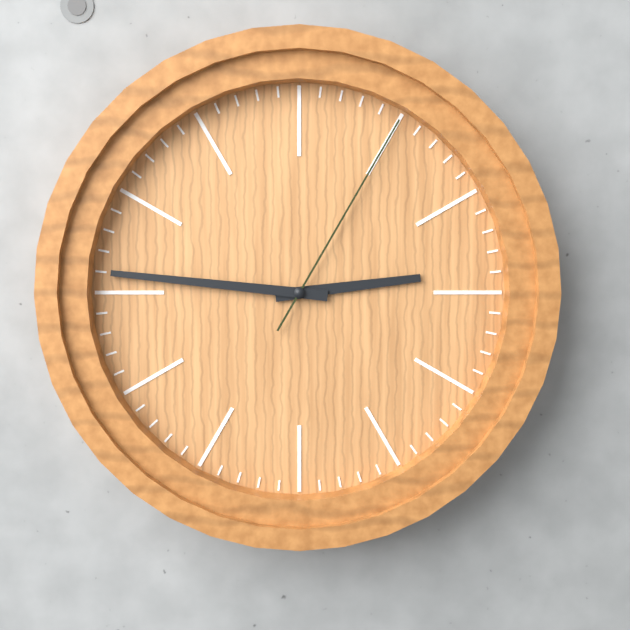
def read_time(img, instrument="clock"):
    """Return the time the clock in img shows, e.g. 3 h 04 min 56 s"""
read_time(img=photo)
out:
2 h 46 min 05 s
